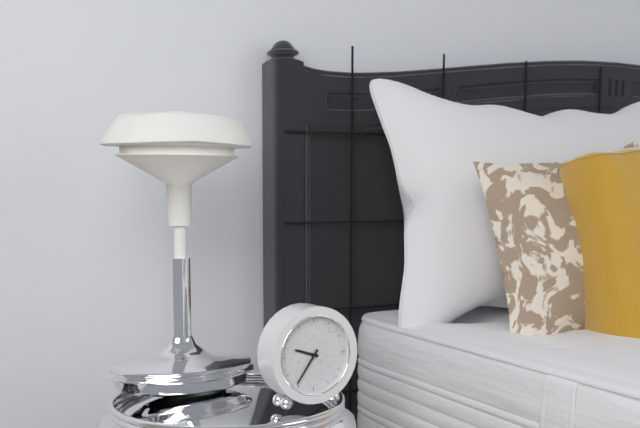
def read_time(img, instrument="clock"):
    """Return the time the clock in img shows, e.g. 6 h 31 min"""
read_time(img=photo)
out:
9 h 36 min
